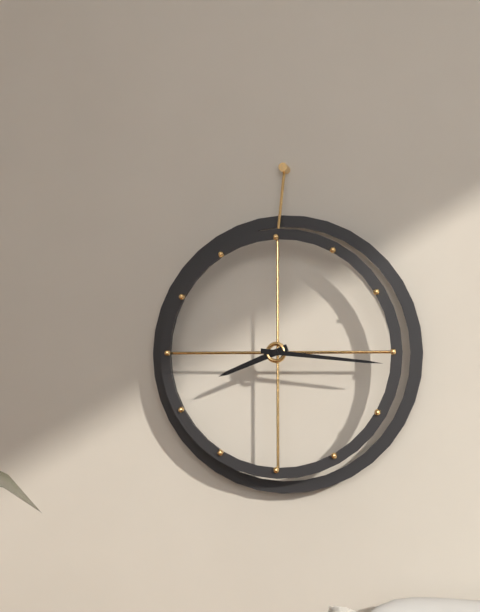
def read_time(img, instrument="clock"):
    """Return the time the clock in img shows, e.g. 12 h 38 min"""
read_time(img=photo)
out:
8 h 16 min
